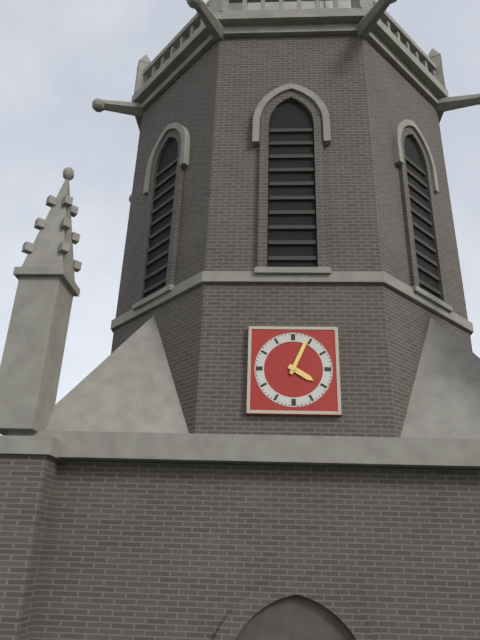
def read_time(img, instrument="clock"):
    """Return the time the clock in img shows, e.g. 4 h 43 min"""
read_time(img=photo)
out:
4 h 04 min
